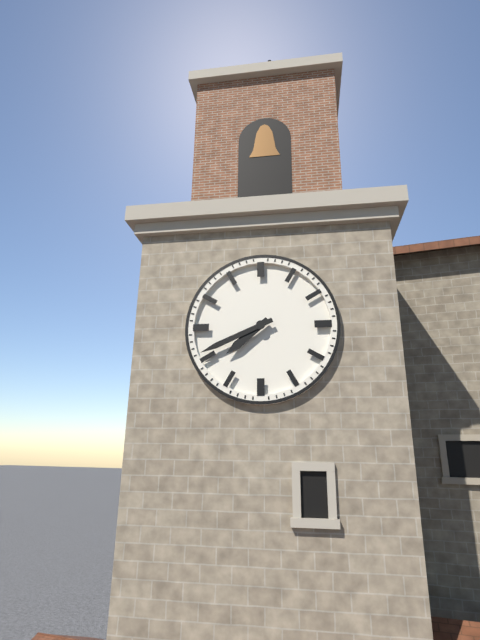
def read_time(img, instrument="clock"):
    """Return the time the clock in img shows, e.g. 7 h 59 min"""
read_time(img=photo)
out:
7 h 41 min
